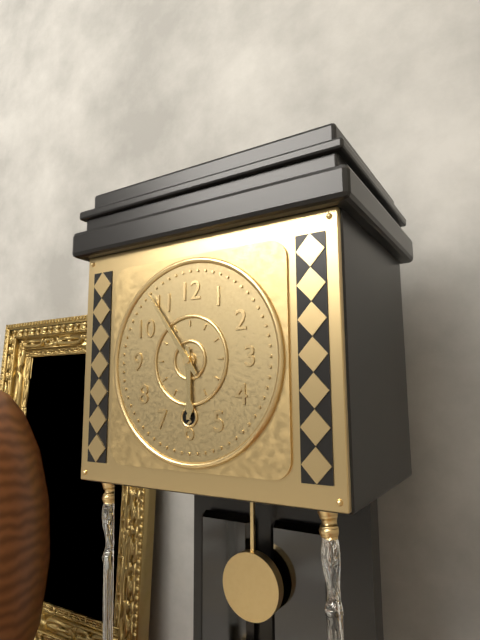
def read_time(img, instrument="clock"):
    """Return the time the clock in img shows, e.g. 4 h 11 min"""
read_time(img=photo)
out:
5 h 54 min
